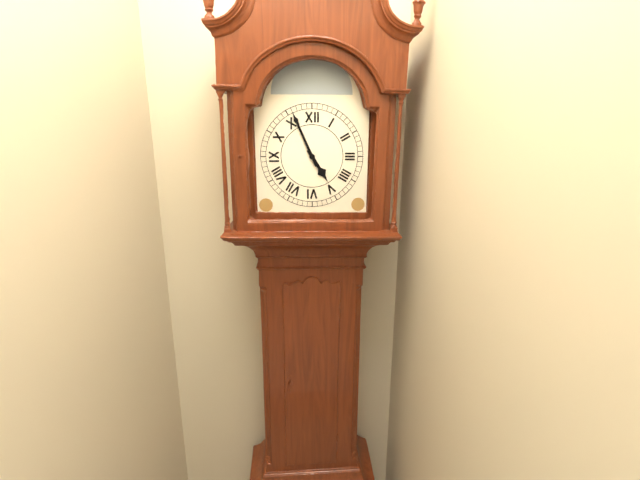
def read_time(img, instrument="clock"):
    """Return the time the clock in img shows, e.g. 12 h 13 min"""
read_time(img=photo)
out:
4 h 56 min
